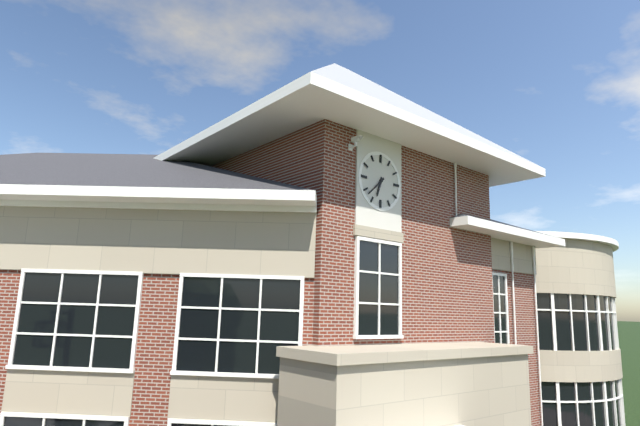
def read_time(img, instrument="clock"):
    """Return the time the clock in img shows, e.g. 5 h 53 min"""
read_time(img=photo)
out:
6 h 38 min
